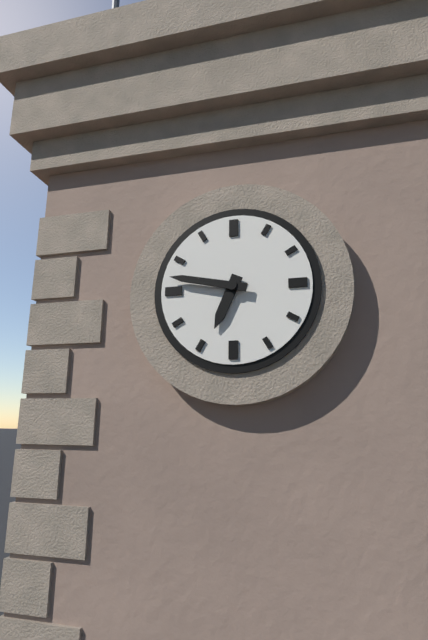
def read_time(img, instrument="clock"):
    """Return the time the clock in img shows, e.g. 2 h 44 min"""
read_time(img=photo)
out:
6 h 47 min
